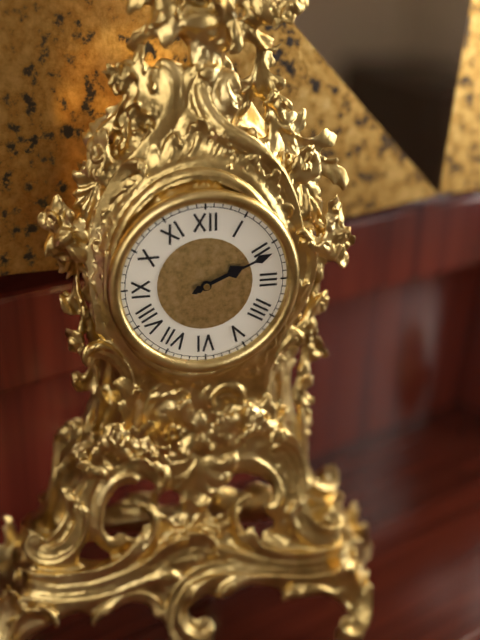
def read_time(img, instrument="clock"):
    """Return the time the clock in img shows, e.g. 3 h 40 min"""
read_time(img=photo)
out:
2 h 11 min
